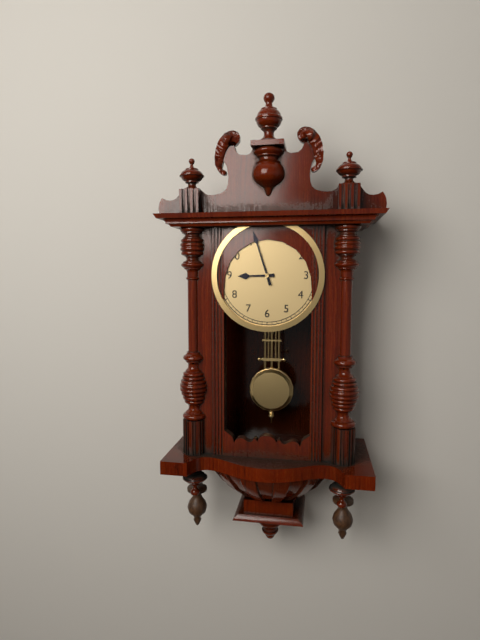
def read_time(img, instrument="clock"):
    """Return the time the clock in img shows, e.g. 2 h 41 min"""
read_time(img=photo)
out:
8 h 57 min
